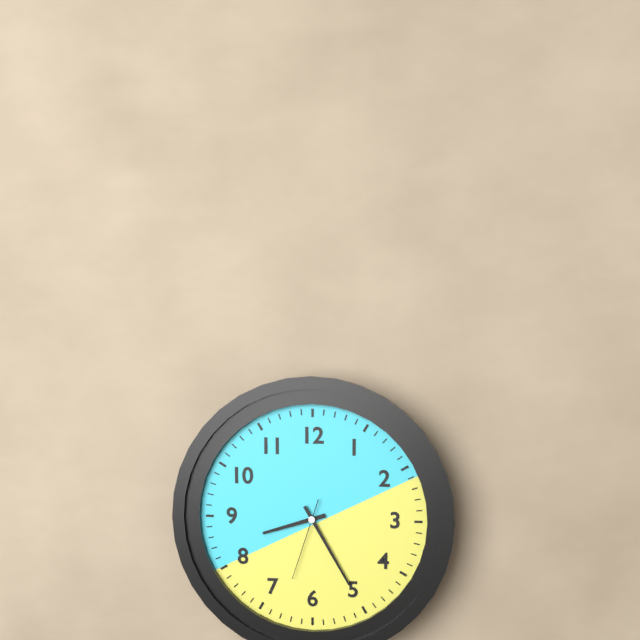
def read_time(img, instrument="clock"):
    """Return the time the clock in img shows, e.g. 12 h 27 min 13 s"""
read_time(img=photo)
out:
8 h 25 min 33 s
